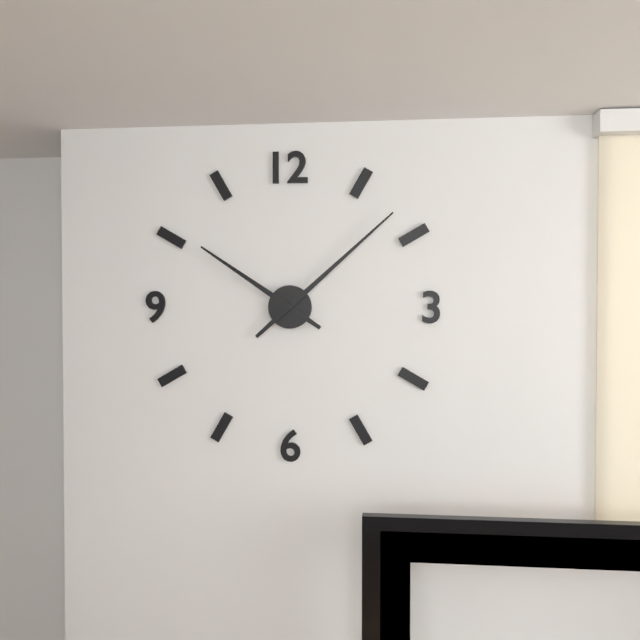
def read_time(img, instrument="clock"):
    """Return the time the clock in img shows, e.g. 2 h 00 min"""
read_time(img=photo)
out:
10 h 08 min
